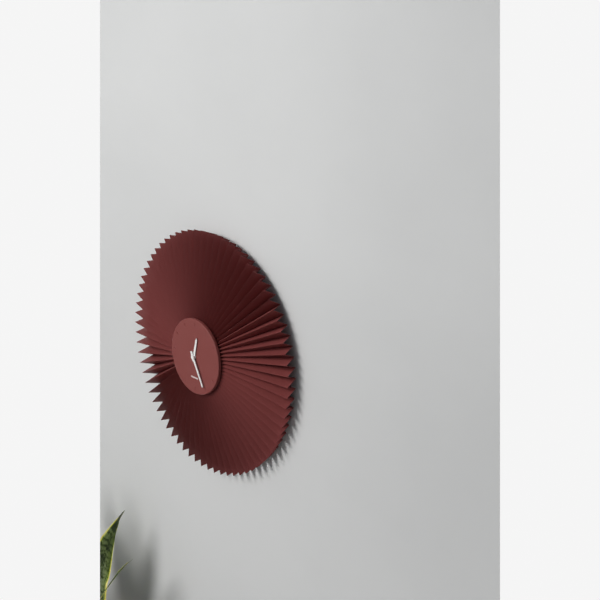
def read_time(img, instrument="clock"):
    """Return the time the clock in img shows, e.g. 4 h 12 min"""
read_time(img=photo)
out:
12 h 25 min
